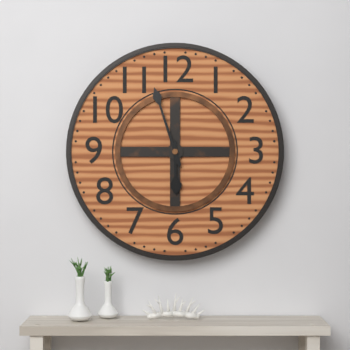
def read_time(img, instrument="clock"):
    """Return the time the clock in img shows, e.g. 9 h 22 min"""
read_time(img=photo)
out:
5 h 57 min
